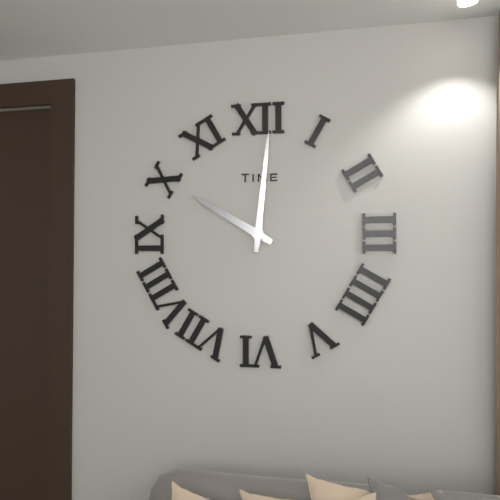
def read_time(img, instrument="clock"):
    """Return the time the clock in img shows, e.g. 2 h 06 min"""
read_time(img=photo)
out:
10 h 01 min
